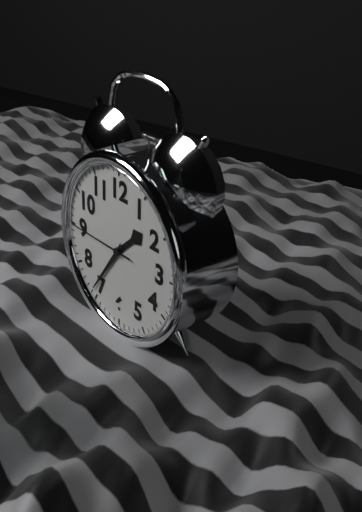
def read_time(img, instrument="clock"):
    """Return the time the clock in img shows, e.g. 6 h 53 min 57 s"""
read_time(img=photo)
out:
1 h 36 min 45 s
